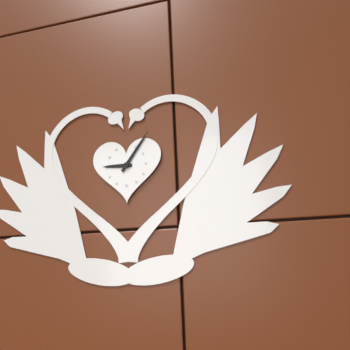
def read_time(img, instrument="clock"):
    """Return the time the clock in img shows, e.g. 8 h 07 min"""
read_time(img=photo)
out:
9 h 06 min
